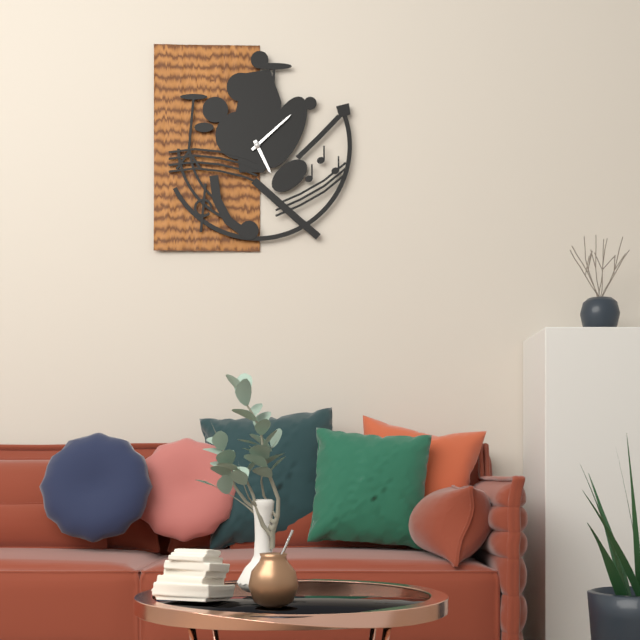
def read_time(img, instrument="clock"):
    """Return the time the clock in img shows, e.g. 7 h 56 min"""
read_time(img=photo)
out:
5 h 08 min
